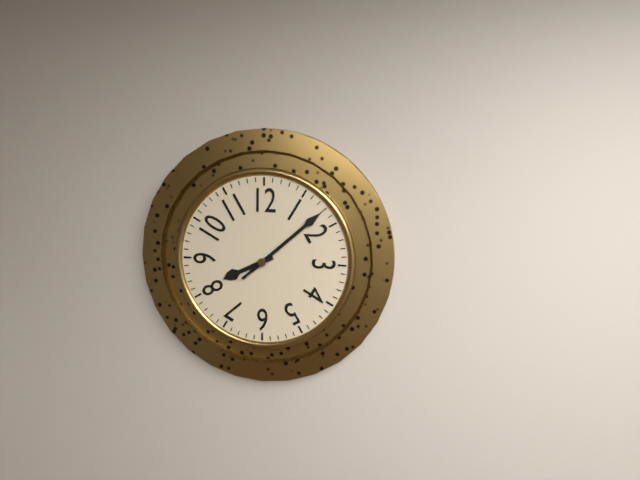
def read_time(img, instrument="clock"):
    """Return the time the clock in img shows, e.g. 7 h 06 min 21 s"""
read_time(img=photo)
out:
8 h 08 min 08 s
